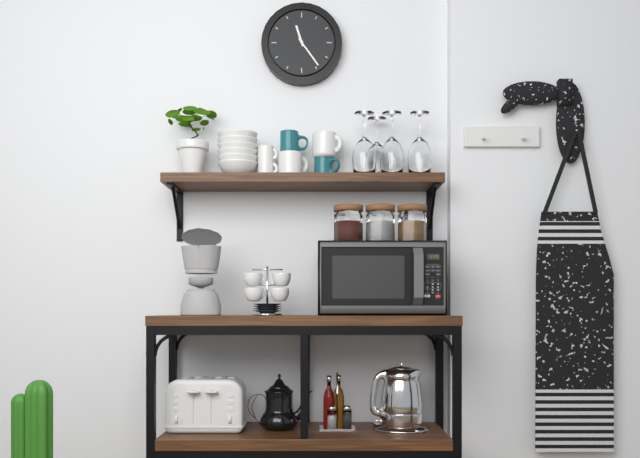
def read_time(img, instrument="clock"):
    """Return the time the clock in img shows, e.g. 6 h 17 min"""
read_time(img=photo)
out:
11 h 24 min
